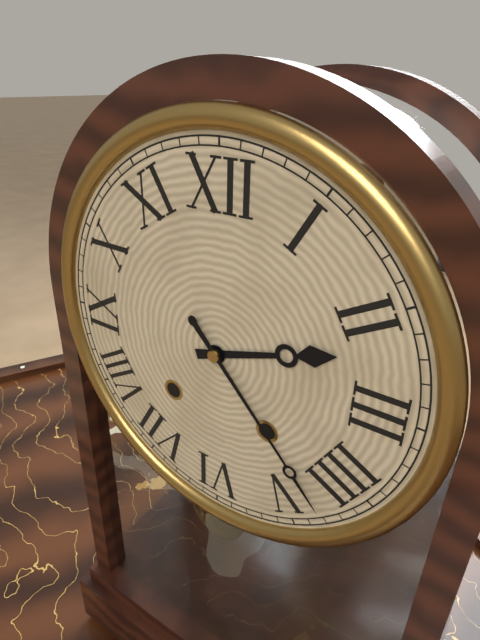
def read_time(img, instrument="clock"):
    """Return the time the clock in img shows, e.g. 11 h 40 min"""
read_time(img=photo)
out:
2 h 23 min
